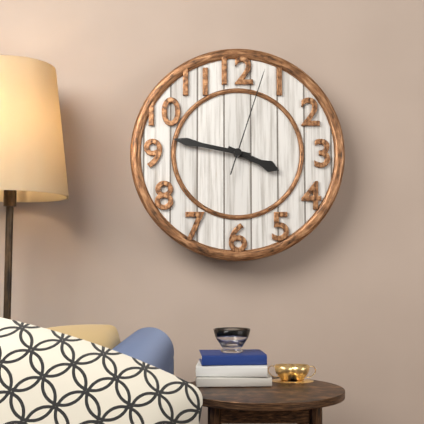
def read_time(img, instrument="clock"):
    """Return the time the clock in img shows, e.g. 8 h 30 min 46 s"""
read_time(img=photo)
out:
3 h 47 min 03 s
